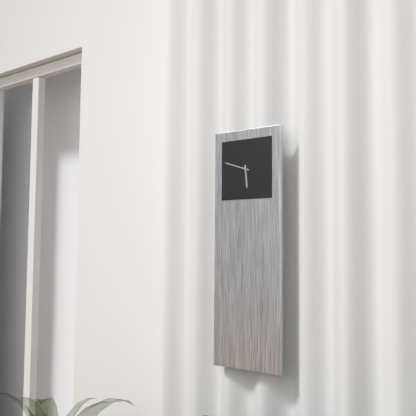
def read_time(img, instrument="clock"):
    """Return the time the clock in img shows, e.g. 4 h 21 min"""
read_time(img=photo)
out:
5 h 48 min
